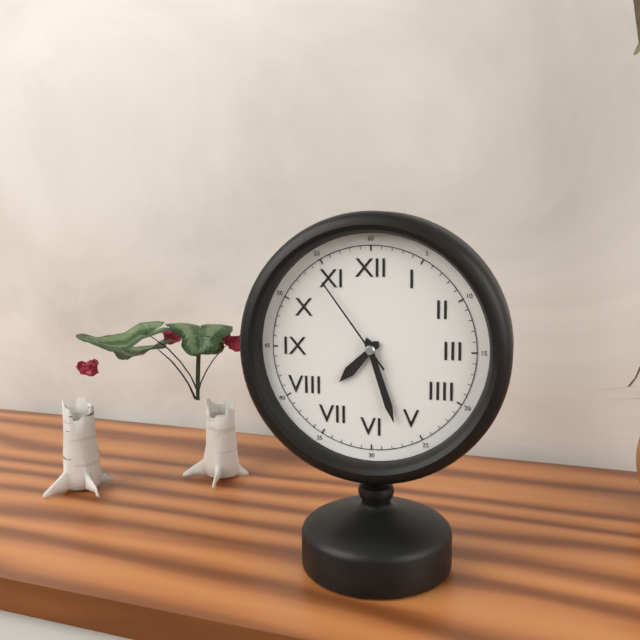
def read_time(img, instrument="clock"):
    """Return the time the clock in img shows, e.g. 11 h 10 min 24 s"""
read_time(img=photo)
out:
7 h 27 min 54 s
